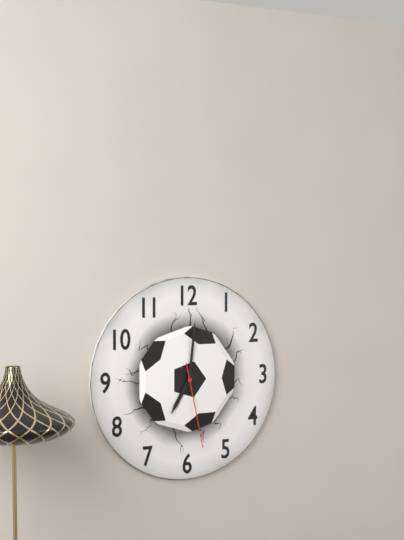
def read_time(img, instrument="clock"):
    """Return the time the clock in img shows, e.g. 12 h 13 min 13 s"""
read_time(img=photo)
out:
7 h 01 min 28 s
